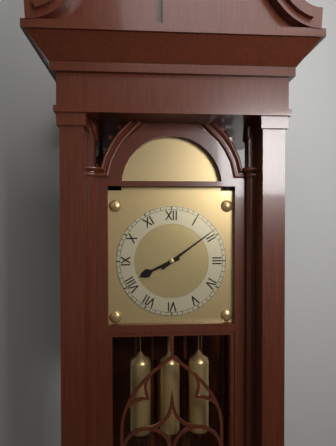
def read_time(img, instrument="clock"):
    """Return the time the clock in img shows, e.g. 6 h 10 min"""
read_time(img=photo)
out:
8 h 09 min
